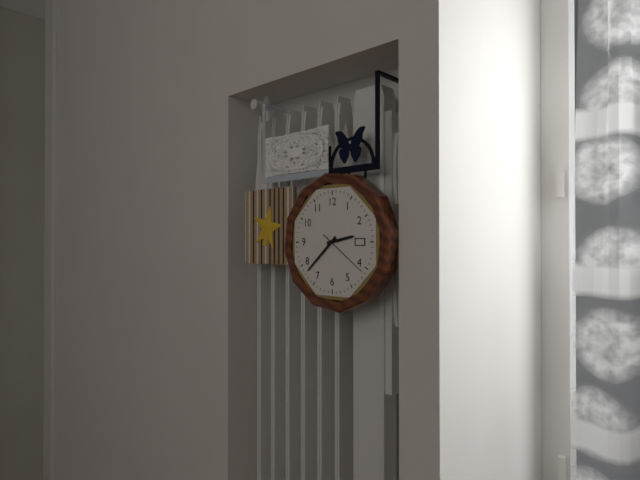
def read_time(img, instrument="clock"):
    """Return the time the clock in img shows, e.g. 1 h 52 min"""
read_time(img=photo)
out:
2 h 38 min
